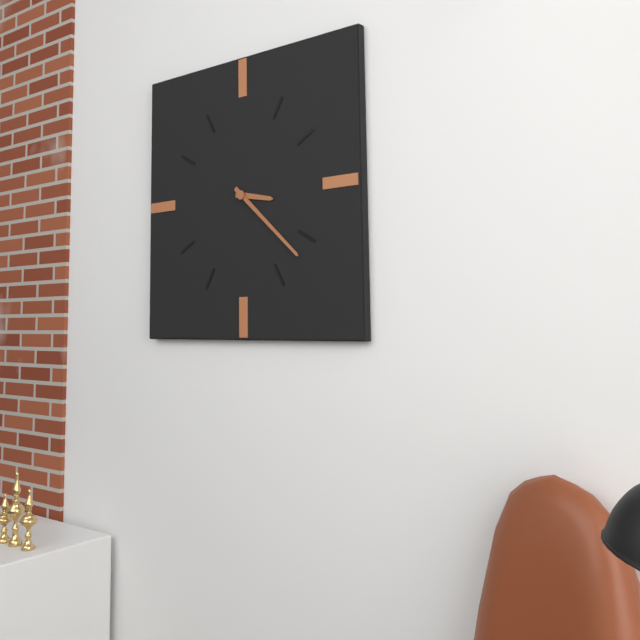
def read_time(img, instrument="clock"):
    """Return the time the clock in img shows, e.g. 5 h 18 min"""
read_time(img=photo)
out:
3 h 22 min
